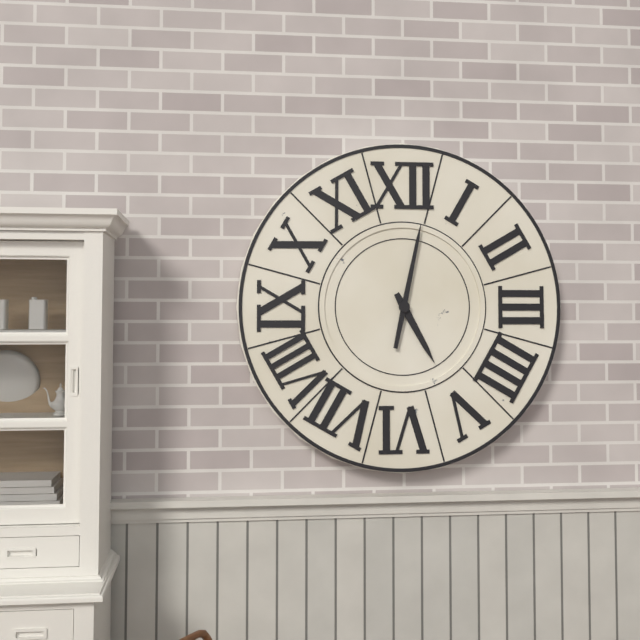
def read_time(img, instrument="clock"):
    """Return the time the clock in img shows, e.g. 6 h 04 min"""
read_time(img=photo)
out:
5 h 02 min
